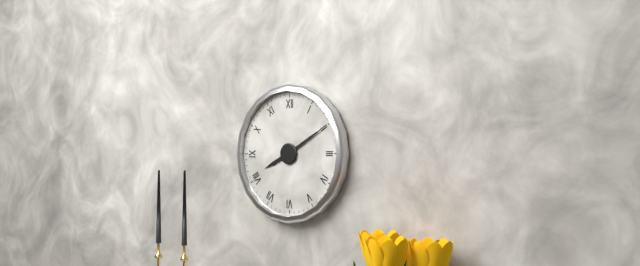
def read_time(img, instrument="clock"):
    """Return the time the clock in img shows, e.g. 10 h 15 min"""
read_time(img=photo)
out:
8 h 10 min
